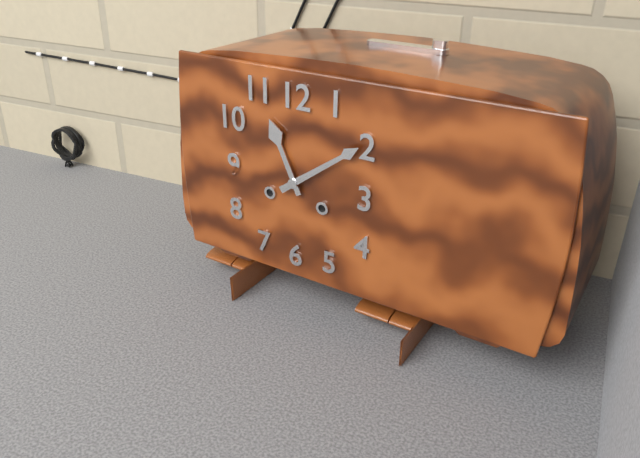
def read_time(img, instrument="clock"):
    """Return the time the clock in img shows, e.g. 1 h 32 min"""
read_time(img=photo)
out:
11 h 09 min
